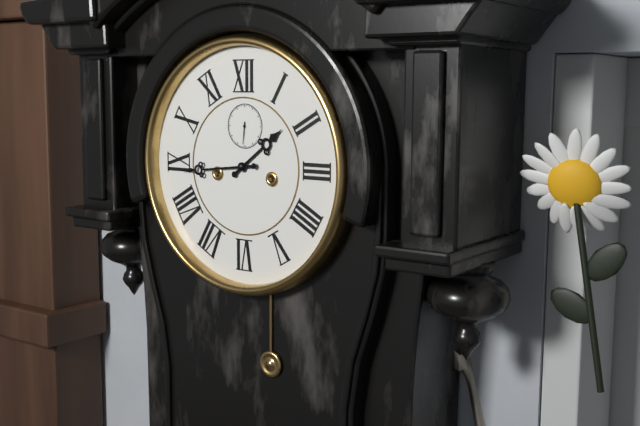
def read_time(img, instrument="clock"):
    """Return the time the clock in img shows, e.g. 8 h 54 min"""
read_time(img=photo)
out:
1 h 44 min
